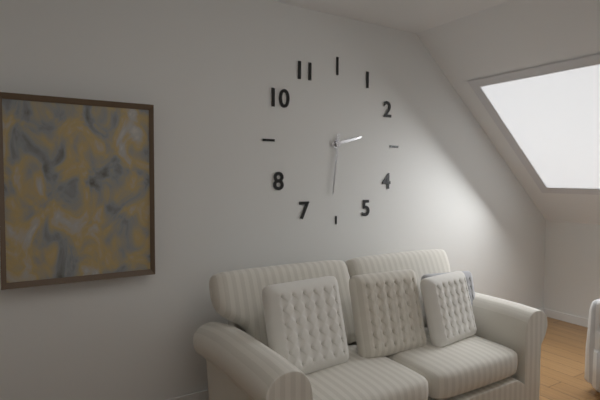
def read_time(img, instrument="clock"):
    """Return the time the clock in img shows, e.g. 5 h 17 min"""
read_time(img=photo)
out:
2 h 31 min
